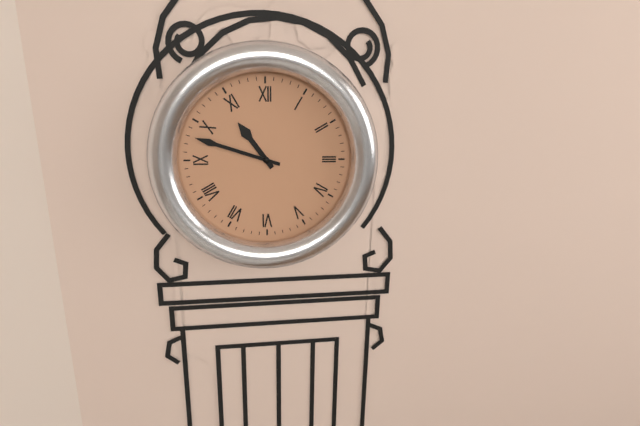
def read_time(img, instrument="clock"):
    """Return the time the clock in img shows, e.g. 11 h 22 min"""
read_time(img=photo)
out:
10 h 48 min
